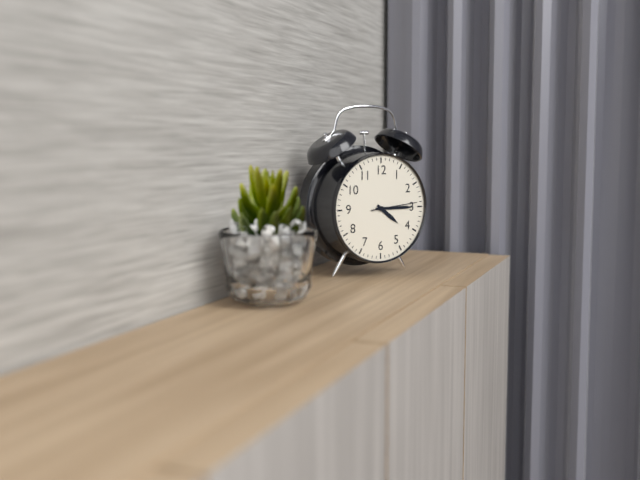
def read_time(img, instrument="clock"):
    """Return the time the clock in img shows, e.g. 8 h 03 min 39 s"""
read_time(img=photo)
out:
4 h 15 min 14 s
